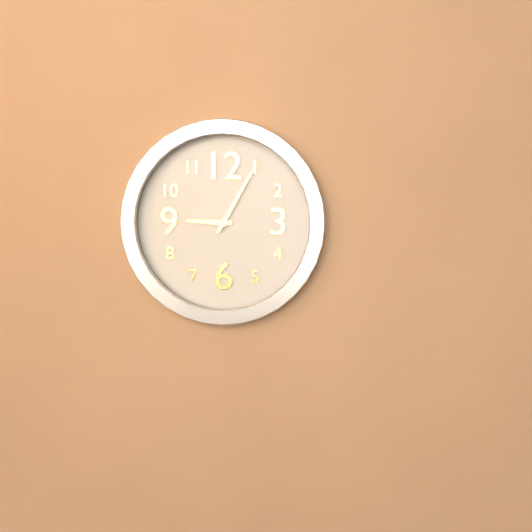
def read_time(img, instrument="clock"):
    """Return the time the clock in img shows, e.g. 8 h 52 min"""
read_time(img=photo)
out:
9 h 05 min
